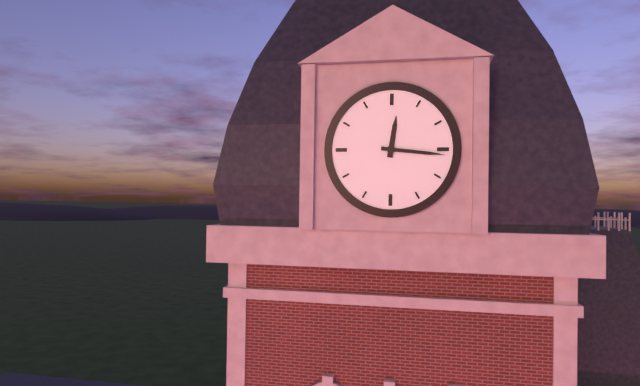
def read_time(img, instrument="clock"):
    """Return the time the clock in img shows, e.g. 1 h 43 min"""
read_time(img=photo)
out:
12 h 16 min
